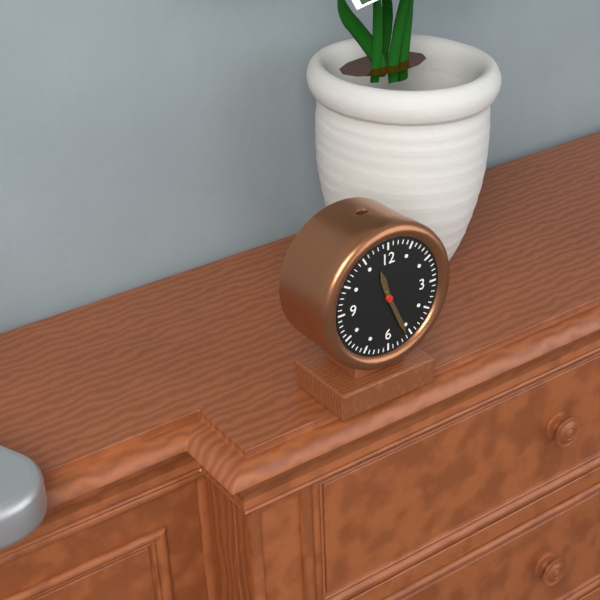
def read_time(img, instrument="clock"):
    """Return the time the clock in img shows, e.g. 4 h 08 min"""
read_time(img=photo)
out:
11 h 26 min
